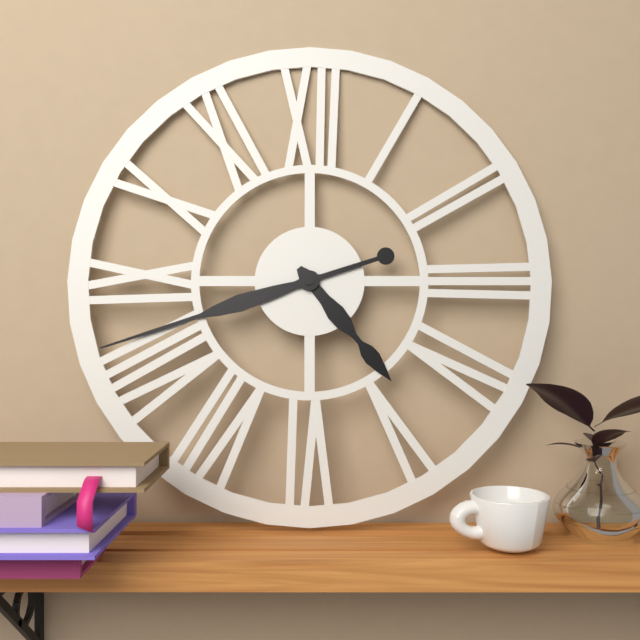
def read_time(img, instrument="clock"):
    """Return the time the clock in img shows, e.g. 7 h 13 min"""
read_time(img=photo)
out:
4 h 42 min
